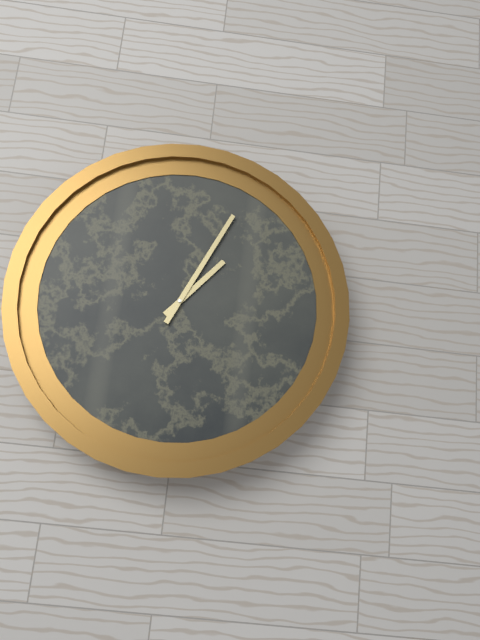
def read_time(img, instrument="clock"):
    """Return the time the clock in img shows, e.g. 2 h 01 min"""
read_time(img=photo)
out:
4 h 19 min
